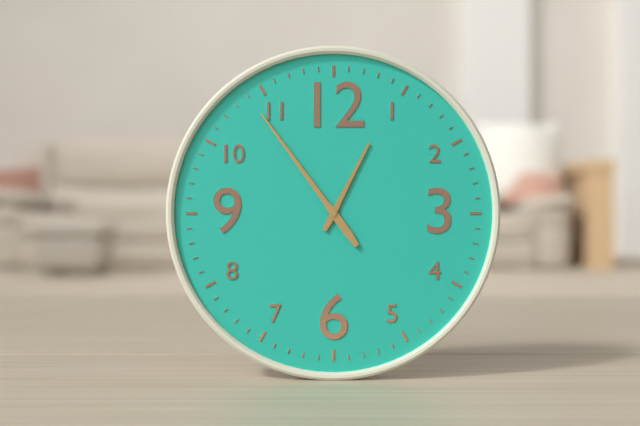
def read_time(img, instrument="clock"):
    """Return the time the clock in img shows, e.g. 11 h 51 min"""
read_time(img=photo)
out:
12 h 54 min
